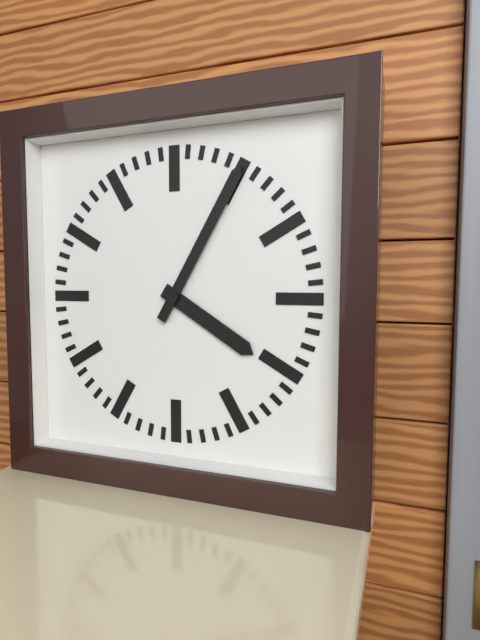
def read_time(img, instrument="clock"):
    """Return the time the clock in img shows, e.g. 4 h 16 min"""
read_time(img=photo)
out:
4 h 05 min
